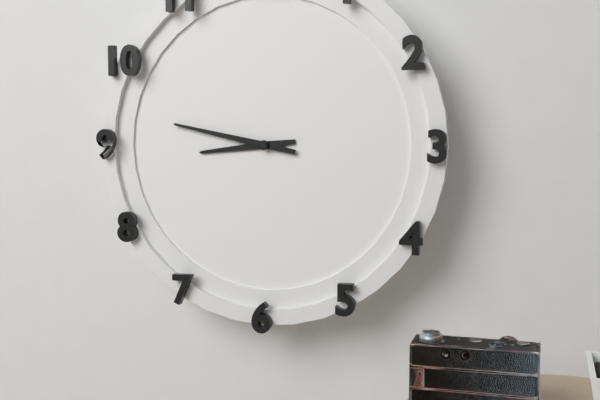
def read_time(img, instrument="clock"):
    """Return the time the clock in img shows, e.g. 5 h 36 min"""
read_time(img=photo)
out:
8 h 47 min
